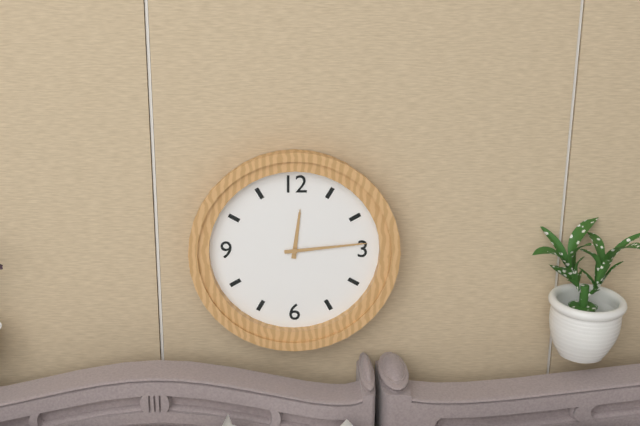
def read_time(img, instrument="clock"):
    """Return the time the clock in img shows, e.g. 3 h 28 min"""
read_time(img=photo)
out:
12 h 14 min
